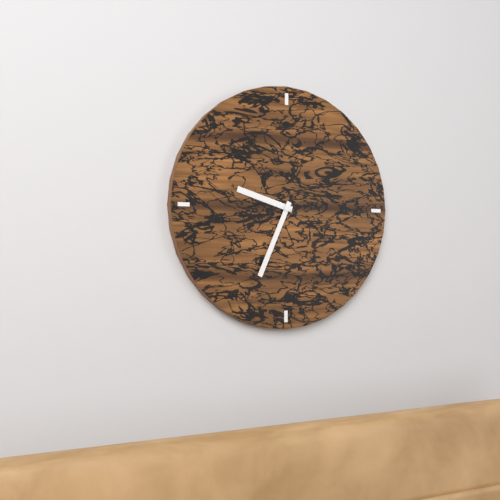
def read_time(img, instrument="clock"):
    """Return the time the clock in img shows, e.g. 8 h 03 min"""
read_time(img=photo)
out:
9 h 34 min
